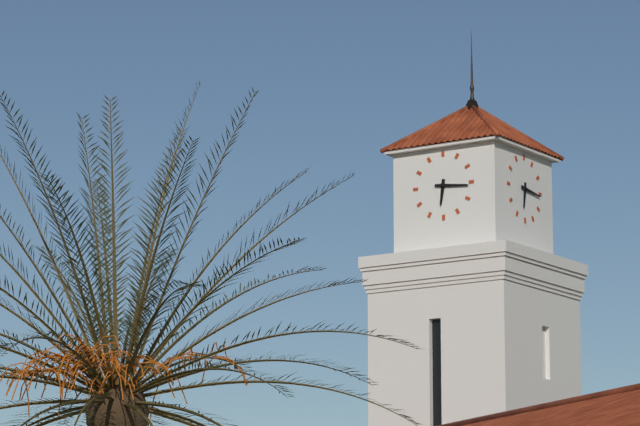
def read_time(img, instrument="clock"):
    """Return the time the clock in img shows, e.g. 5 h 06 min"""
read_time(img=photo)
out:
6 h 16 min
